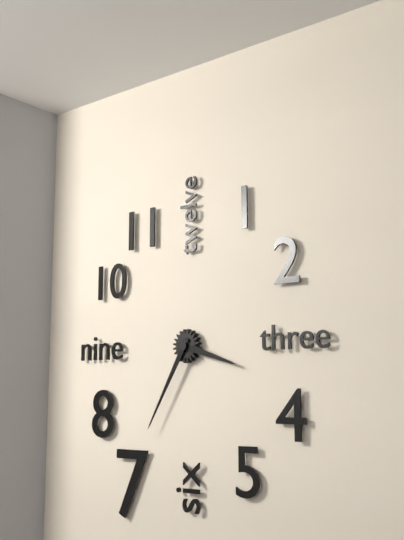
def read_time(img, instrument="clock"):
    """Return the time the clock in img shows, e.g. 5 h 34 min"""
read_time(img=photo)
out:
3 h 35 min
